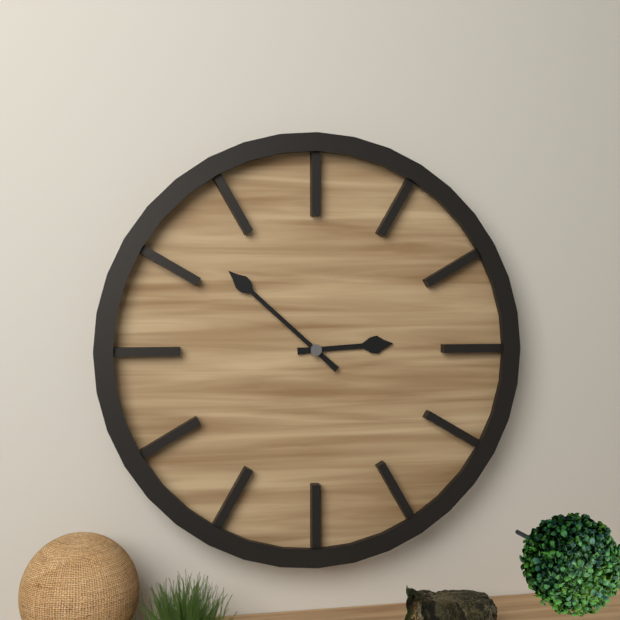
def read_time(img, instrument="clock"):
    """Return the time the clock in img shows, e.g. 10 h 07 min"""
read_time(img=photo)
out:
2 h 52 min
